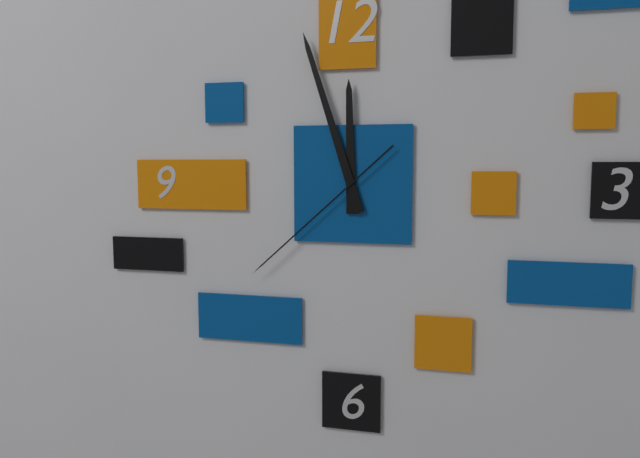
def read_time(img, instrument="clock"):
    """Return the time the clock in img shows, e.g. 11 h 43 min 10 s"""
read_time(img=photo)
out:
11 h 57 min 38 s
